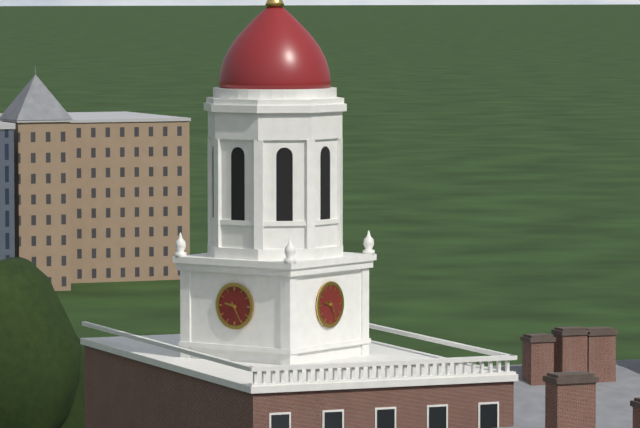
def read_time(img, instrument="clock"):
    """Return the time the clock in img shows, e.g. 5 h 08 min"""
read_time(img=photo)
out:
9 h 25 min
